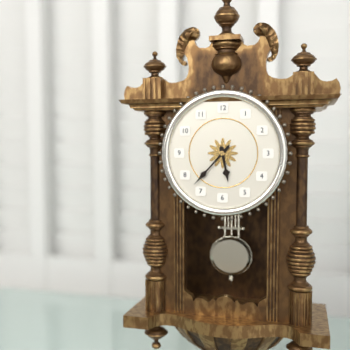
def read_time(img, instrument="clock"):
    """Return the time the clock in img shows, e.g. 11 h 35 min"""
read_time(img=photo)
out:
5 h 37 min
